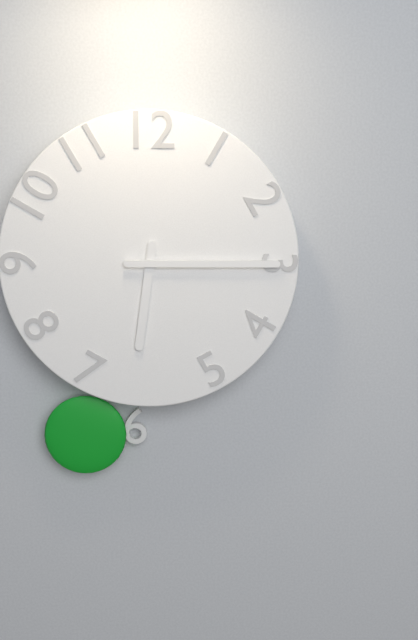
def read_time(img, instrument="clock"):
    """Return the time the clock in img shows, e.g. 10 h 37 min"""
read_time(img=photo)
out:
6 h 15 min
